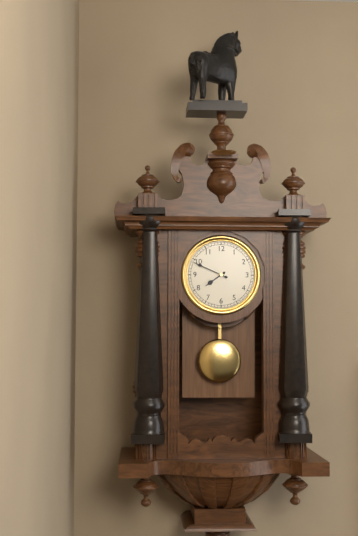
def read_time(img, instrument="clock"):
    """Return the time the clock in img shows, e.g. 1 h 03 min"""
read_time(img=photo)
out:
7 h 49 min
